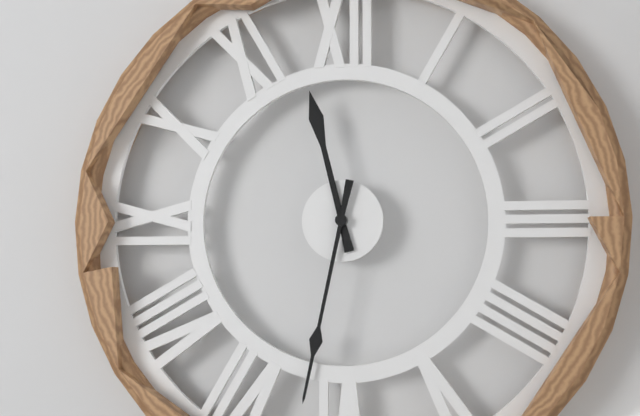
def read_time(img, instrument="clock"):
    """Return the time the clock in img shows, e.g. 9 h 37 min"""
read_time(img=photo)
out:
11 h 32 min
